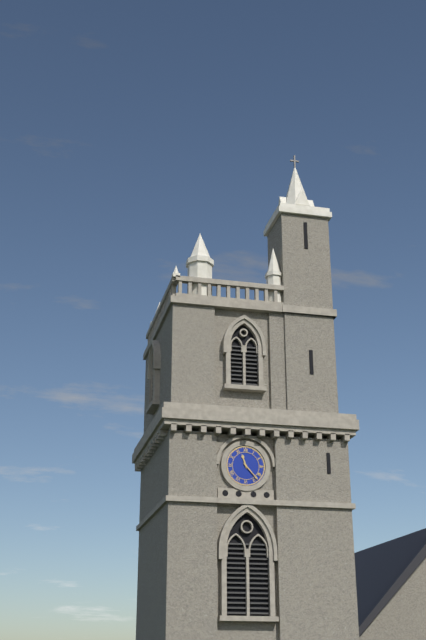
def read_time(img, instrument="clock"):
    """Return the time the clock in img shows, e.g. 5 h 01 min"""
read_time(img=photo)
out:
11 h 23 min
